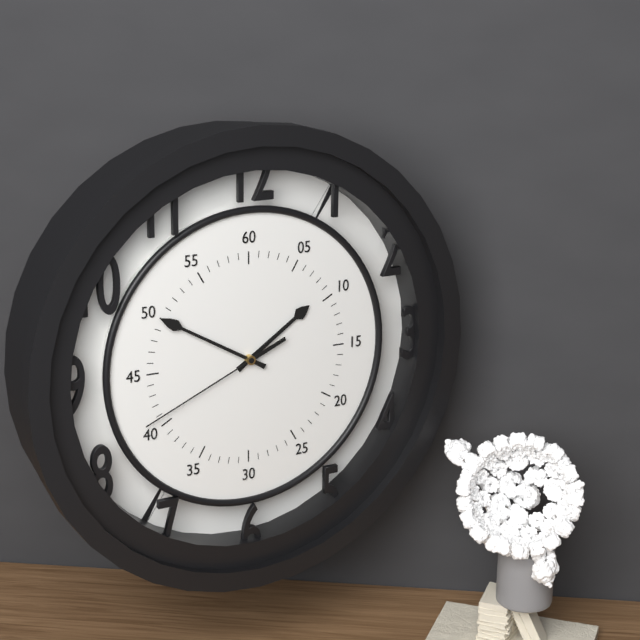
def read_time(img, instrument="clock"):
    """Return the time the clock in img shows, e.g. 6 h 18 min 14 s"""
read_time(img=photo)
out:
1 h 50 min 41 s
